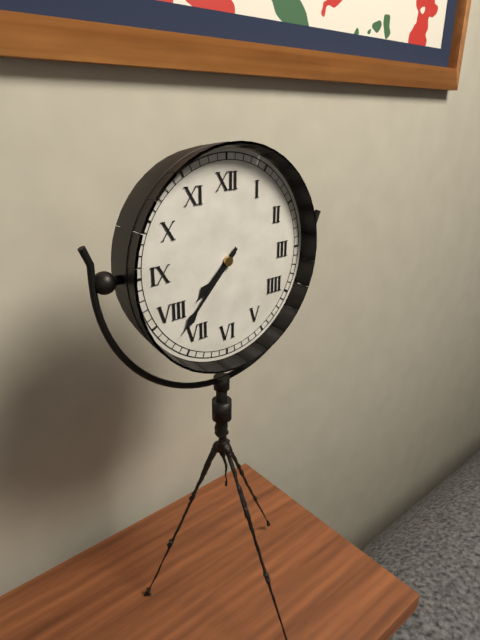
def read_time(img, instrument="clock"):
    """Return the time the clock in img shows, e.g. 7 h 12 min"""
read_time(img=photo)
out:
7 h 37 min
